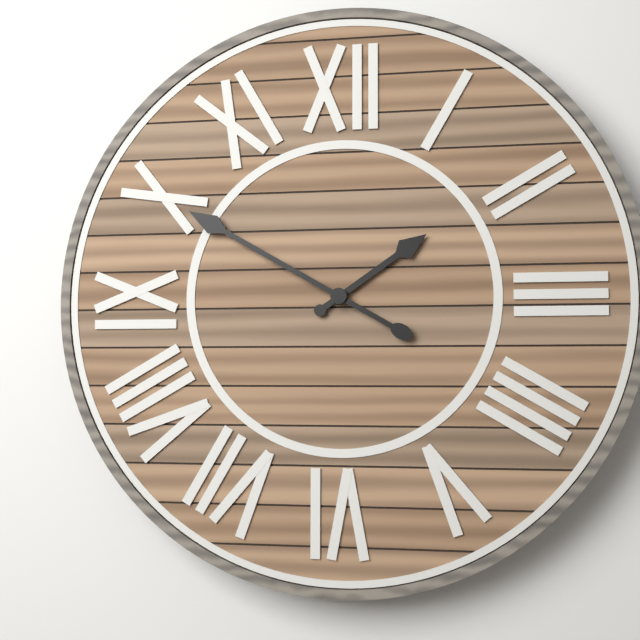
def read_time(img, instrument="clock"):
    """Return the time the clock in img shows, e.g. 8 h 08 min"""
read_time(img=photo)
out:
1 h 50 min
